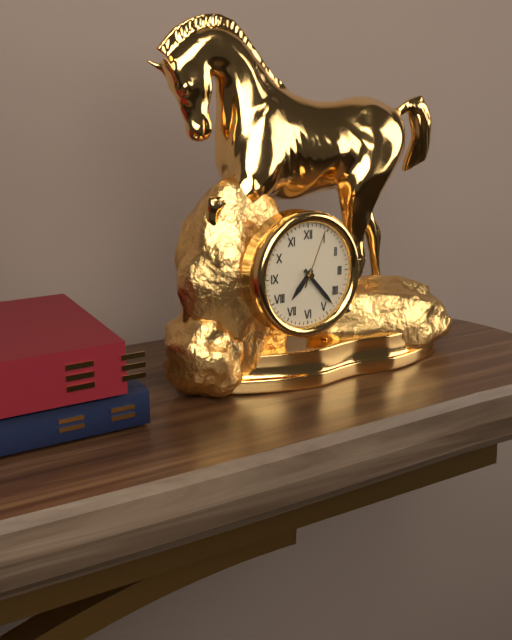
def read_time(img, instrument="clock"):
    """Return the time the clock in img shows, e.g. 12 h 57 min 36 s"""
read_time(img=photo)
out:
7 h 23 min 04 s
